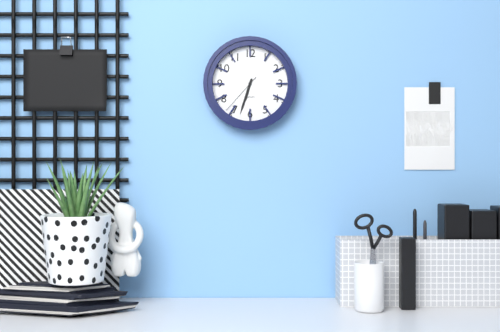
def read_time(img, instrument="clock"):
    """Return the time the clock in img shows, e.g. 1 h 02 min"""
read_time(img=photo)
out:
6 h 33 min
